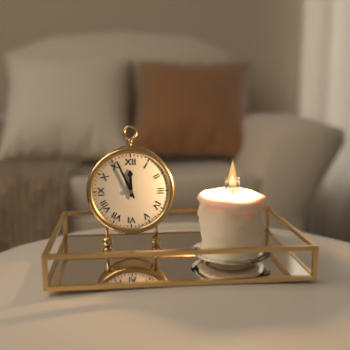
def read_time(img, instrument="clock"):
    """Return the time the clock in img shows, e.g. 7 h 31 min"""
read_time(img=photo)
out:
11 h 56 min
